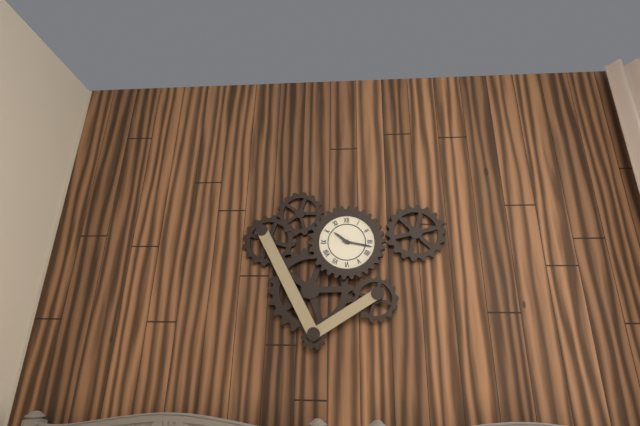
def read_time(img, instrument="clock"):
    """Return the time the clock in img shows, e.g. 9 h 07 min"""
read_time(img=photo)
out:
10 h 17 min
